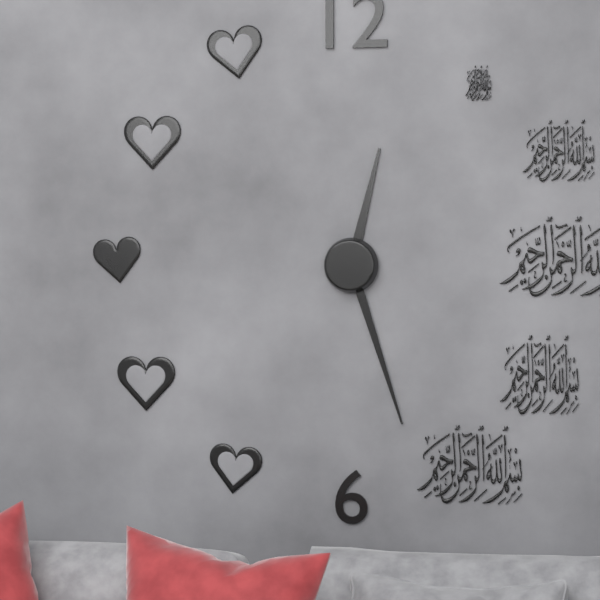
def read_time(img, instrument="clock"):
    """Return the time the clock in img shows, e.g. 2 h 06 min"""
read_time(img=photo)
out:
12 h 27 min
